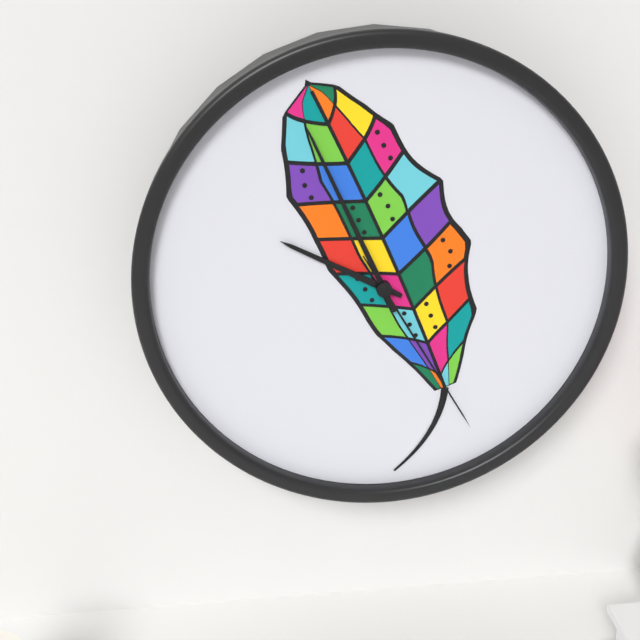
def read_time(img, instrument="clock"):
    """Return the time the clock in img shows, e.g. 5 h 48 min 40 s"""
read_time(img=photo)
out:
9 h 56 min 25 s
